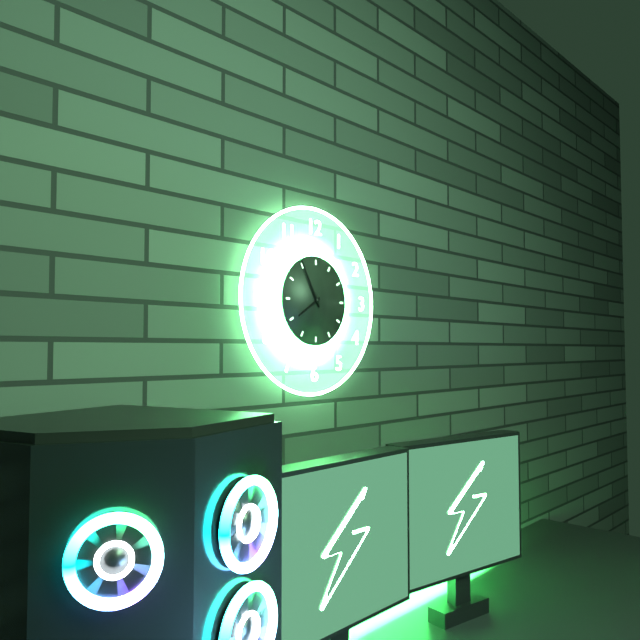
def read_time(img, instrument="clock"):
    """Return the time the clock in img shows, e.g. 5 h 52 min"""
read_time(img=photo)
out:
7 h 55 min
